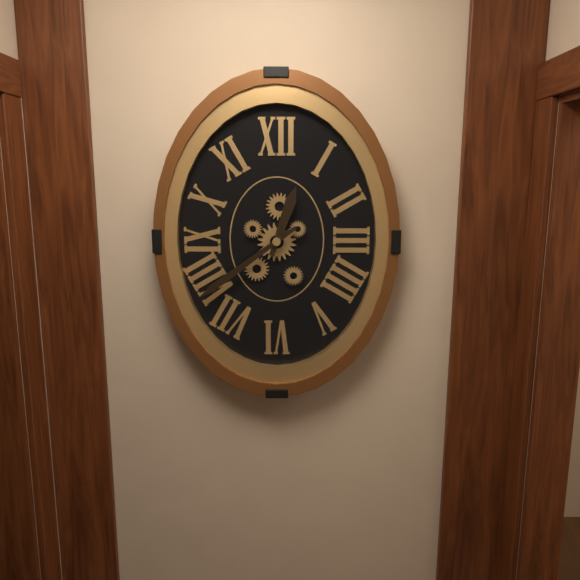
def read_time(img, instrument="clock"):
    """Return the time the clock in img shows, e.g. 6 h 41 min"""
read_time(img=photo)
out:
12 h 39 min
